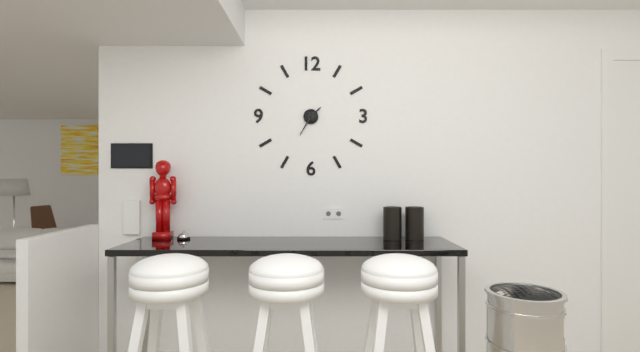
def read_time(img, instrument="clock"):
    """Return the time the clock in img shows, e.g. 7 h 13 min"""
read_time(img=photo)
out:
1 h 35 min
